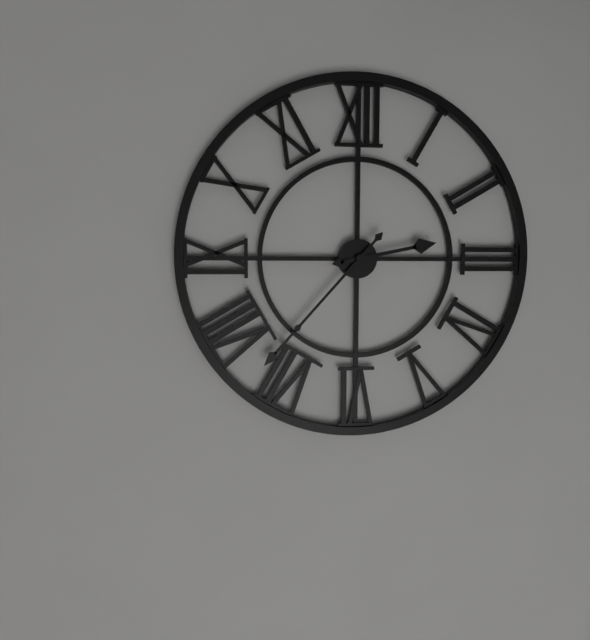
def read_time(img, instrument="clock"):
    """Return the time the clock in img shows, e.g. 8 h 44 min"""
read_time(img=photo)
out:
2 h 37 min
